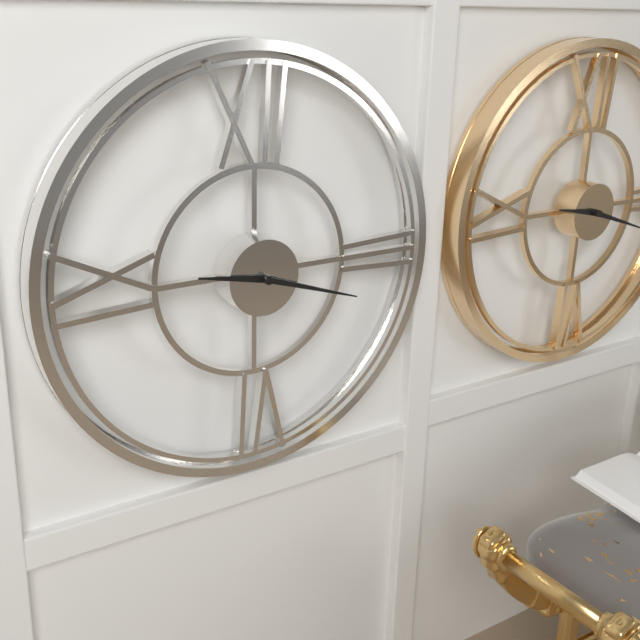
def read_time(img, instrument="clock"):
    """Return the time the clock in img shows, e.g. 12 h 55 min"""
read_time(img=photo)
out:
9 h 18 min
